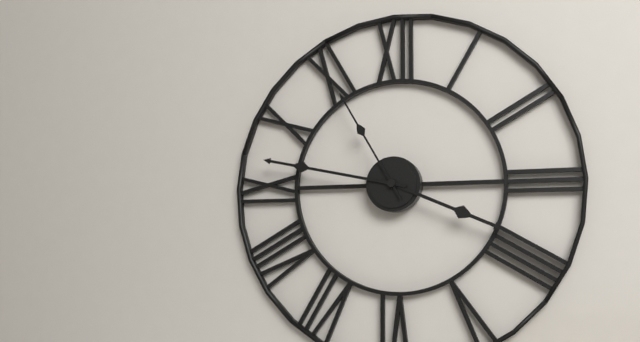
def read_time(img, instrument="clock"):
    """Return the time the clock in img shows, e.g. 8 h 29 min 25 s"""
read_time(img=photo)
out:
3 h 47 min 55 s
